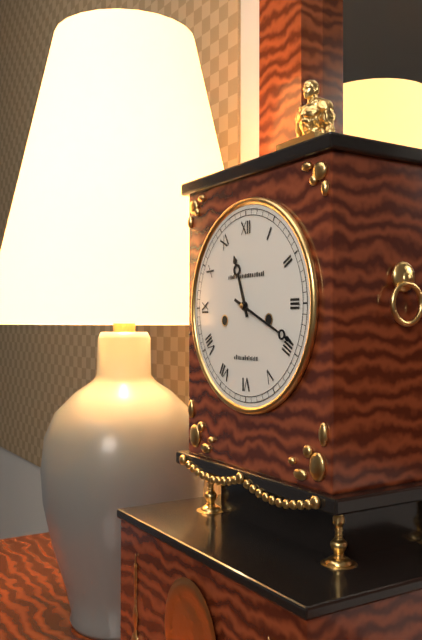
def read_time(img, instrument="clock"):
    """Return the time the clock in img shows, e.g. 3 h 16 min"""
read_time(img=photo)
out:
11 h 19 min
